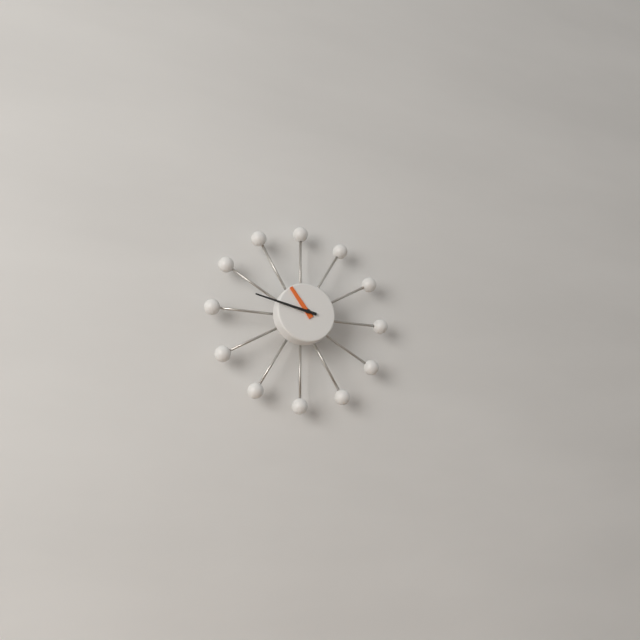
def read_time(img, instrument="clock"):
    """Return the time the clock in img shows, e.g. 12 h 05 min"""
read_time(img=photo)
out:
10 h 47 min
